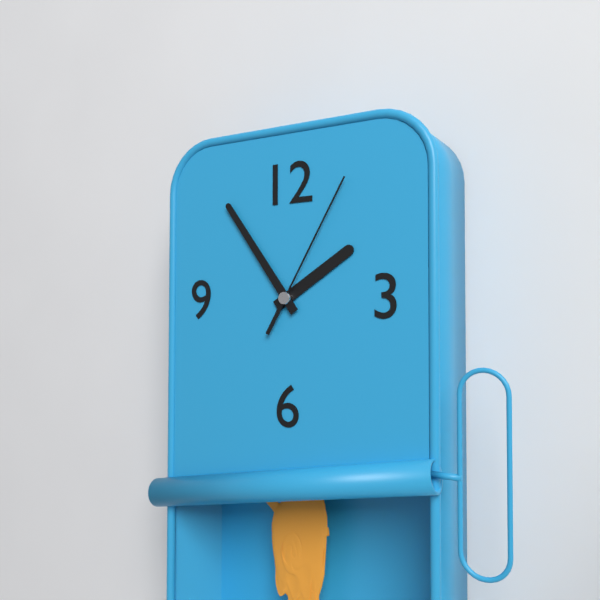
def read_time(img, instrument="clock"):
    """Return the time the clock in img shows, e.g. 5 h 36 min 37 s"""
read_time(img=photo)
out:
1 h 54 min 05 s
